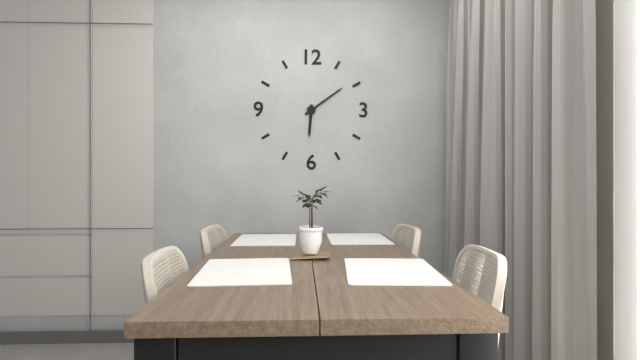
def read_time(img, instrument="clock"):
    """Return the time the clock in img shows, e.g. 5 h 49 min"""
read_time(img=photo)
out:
6 h 09 min
